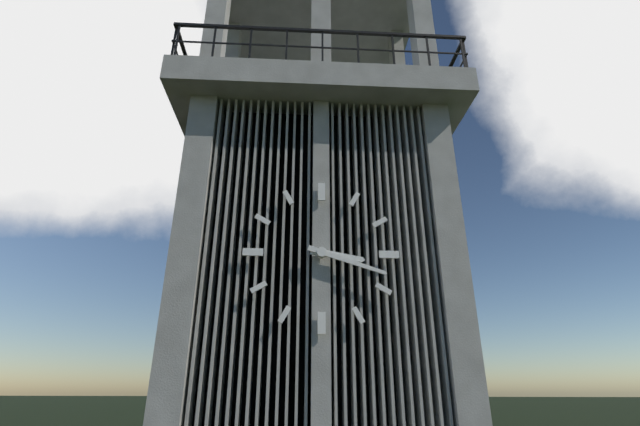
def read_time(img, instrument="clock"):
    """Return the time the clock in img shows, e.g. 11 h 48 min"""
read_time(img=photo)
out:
3 h 18 min
